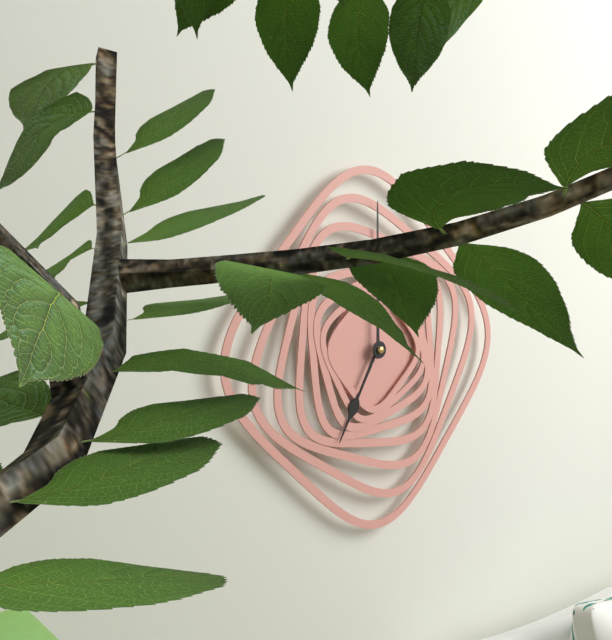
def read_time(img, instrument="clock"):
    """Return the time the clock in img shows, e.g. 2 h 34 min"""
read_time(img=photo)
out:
7 h 00 min
